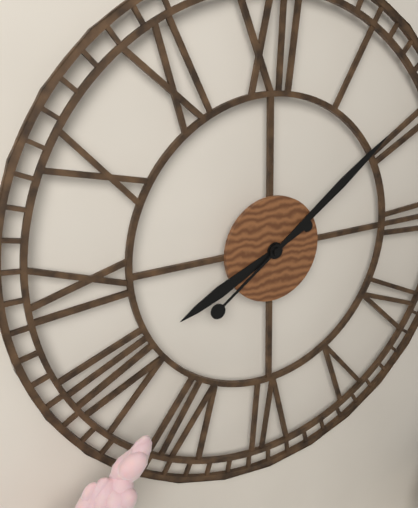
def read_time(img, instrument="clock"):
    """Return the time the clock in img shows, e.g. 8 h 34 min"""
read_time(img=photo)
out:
8 h 09 min
